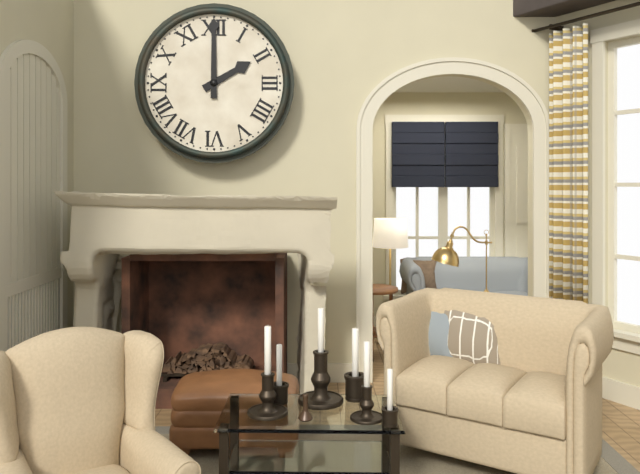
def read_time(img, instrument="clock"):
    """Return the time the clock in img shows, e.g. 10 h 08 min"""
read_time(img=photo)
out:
2 h 00 min
